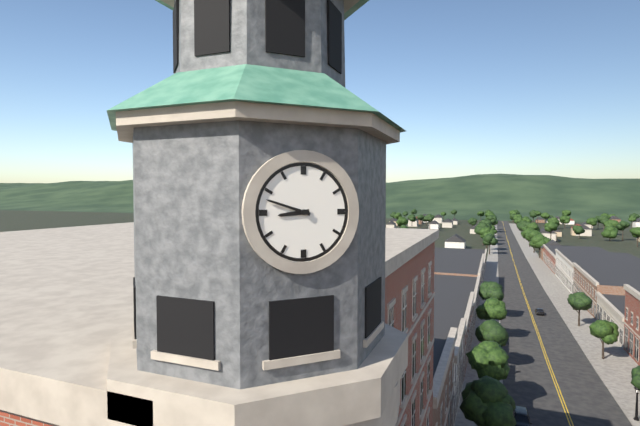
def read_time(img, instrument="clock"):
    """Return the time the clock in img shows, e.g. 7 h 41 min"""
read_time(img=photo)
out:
8 h 48 min
